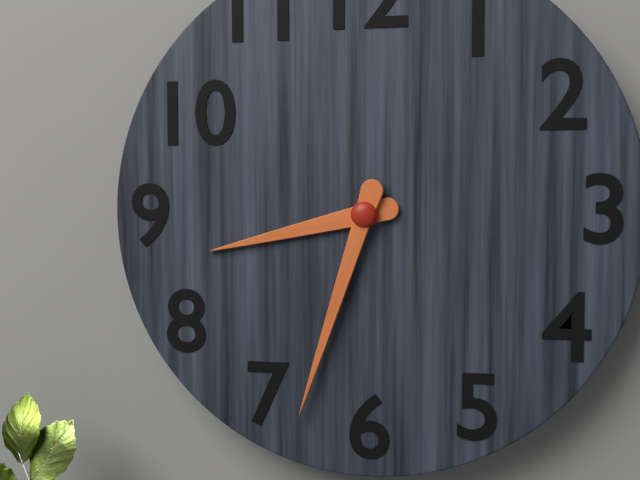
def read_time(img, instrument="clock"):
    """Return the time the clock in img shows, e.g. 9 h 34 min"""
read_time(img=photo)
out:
8 h 33 min
